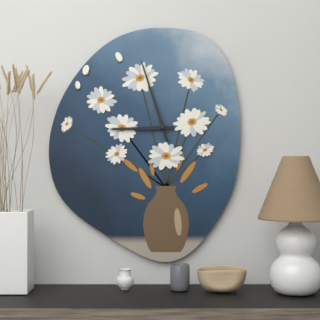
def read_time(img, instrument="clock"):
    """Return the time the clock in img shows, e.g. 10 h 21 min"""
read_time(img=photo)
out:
8 h 57 min
